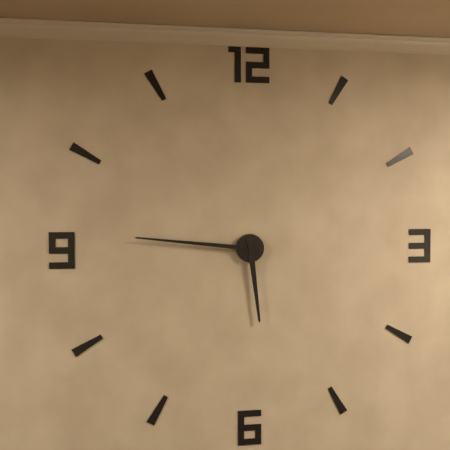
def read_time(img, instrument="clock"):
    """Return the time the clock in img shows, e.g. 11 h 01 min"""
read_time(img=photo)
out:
5 h 46 min
